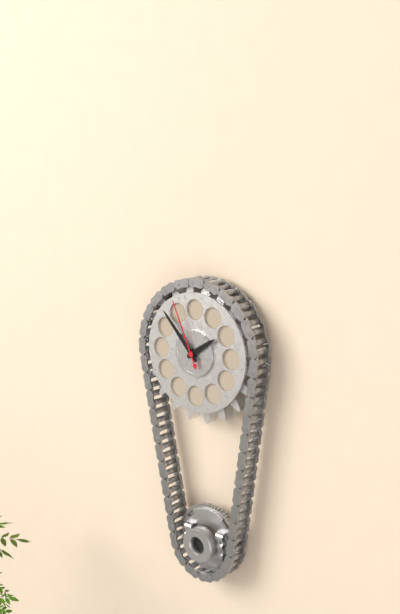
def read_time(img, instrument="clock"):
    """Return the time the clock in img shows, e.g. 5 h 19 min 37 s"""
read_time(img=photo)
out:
1 h 53 min 56 s
